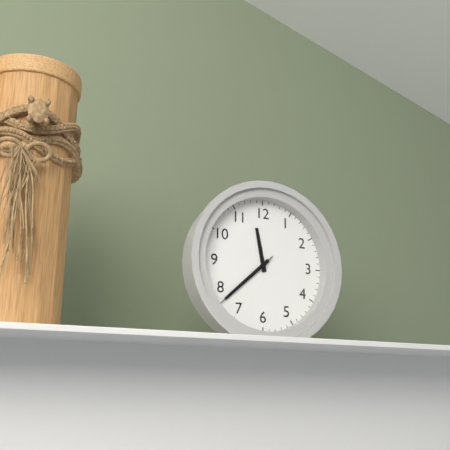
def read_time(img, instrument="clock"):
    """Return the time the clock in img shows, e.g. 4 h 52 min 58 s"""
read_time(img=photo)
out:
11 h 38 min 38 s
